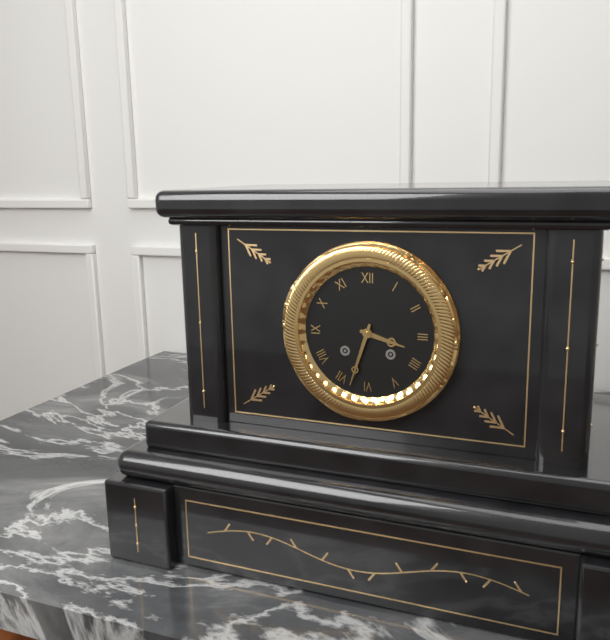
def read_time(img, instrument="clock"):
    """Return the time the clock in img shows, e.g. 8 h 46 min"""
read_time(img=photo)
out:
3 h 33 min
